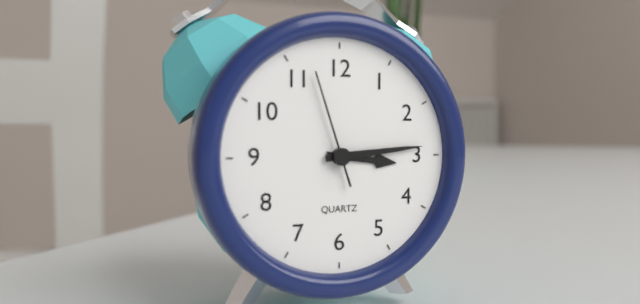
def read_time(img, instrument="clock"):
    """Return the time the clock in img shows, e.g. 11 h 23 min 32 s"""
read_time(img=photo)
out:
3 h 14 min 57 s
